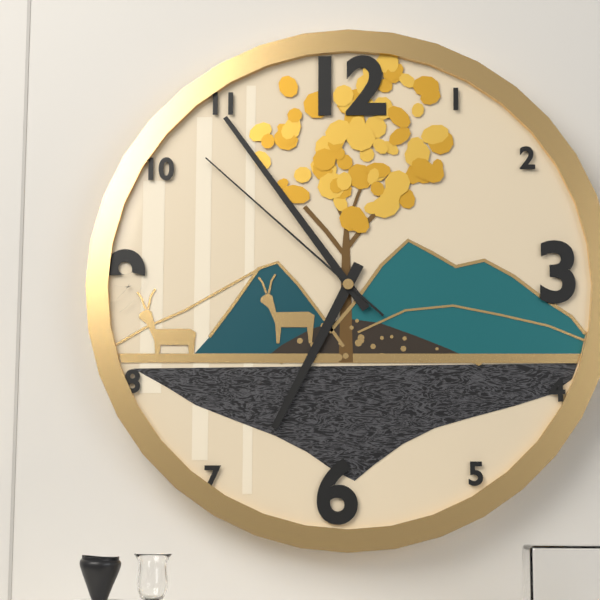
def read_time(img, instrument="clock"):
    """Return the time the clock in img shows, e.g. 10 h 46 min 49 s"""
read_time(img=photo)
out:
6 h 54 min 52 s
